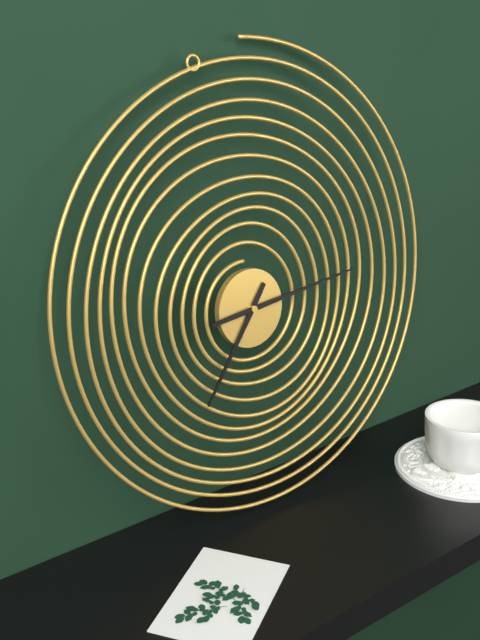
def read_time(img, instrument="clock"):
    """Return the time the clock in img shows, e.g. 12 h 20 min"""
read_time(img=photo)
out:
7 h 14 min
